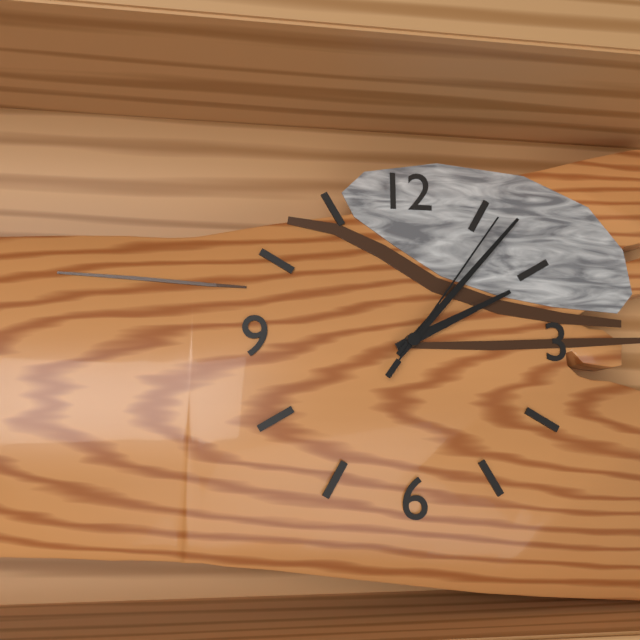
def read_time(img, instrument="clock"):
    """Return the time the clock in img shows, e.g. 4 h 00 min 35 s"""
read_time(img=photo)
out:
2 h 07 min 06 s
